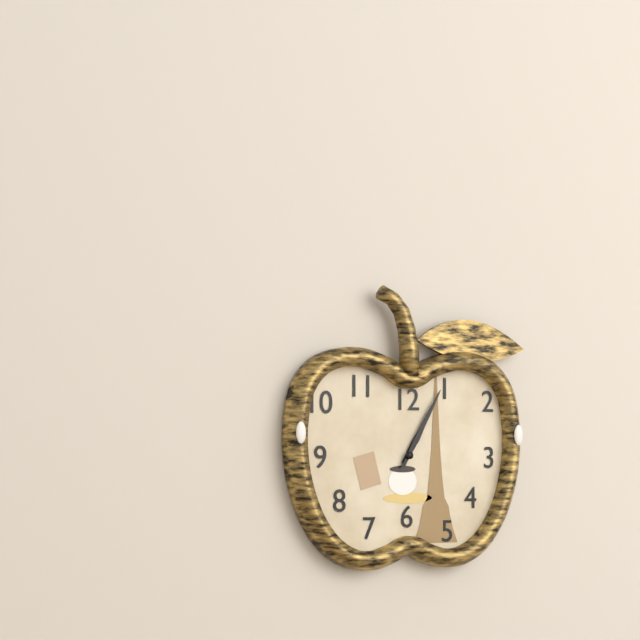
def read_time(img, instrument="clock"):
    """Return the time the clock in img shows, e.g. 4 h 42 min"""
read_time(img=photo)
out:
1 h 05 min
